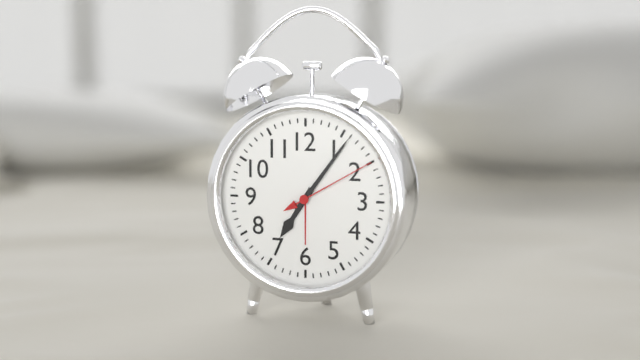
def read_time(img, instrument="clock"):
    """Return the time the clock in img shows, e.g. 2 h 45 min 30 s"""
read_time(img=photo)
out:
7 h 06 min 10 s
